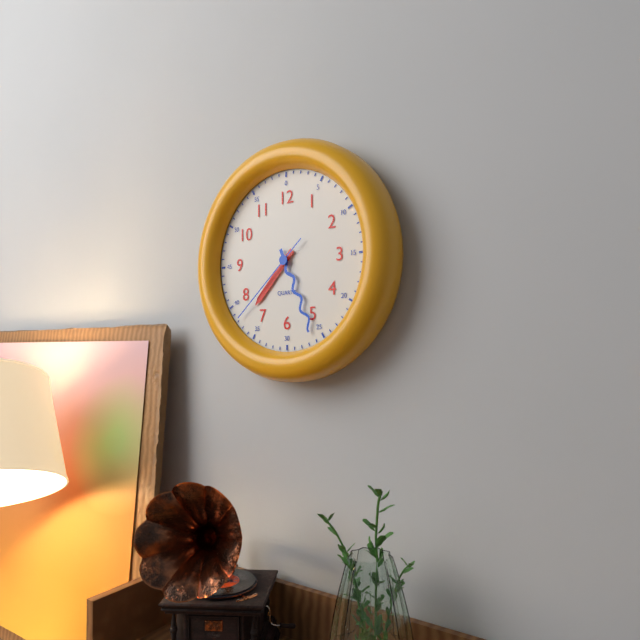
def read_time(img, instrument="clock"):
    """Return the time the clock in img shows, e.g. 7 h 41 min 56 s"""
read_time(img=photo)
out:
7 h 26 min 38 s
